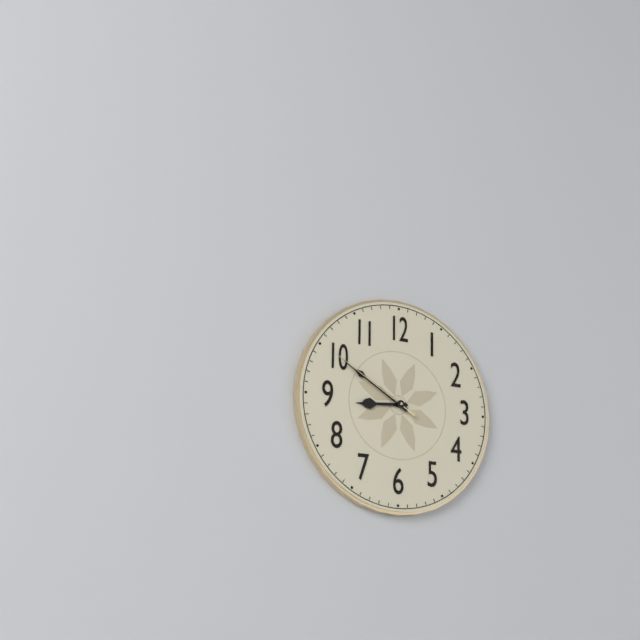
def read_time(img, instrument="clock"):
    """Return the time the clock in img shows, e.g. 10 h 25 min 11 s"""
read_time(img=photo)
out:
8 h 50 min 50 s
